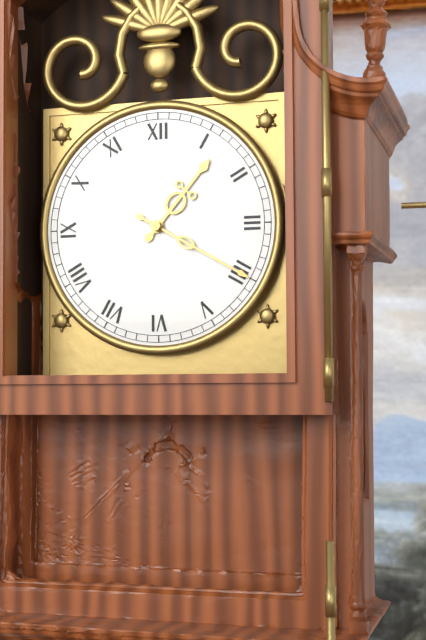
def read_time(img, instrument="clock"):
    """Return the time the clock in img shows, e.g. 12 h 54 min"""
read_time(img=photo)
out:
1 h 20 min
